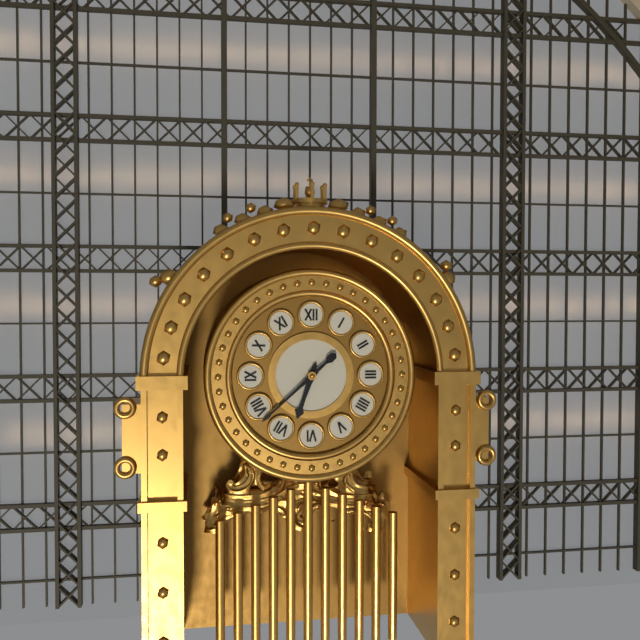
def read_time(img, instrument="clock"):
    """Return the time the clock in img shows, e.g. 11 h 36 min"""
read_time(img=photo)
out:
6 h 38 min
